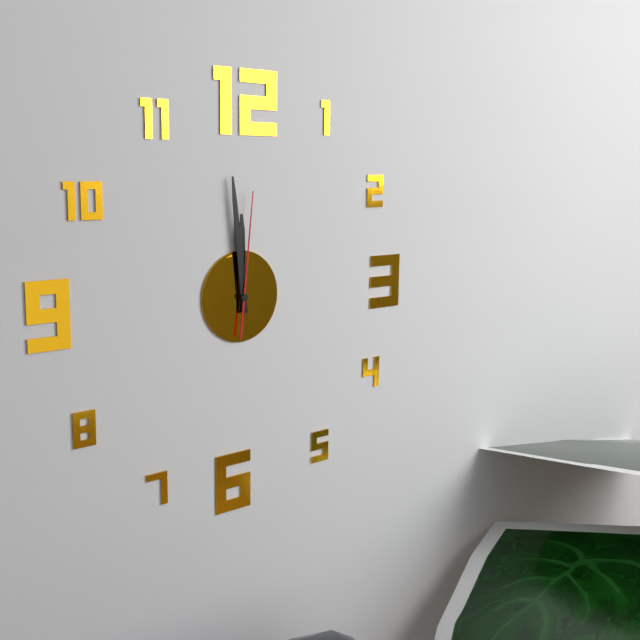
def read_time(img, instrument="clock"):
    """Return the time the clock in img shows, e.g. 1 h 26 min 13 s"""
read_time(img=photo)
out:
11 h 59 min 01 s
